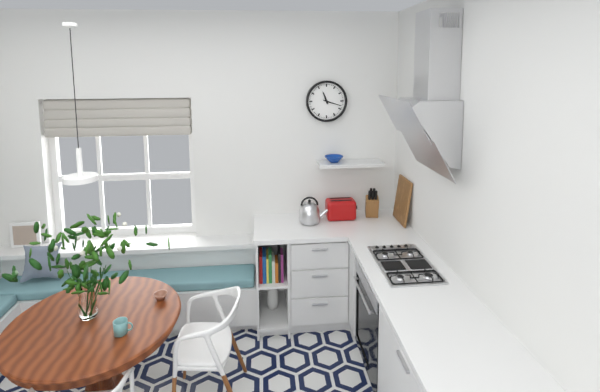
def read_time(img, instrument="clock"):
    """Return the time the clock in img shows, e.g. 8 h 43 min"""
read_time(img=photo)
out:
11 h 18 min
